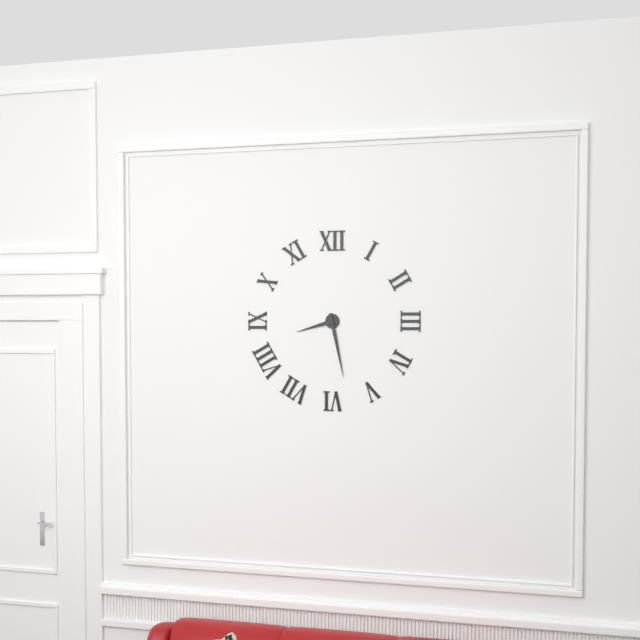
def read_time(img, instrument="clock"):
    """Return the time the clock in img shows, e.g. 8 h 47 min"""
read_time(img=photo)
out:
8 h 28 min
